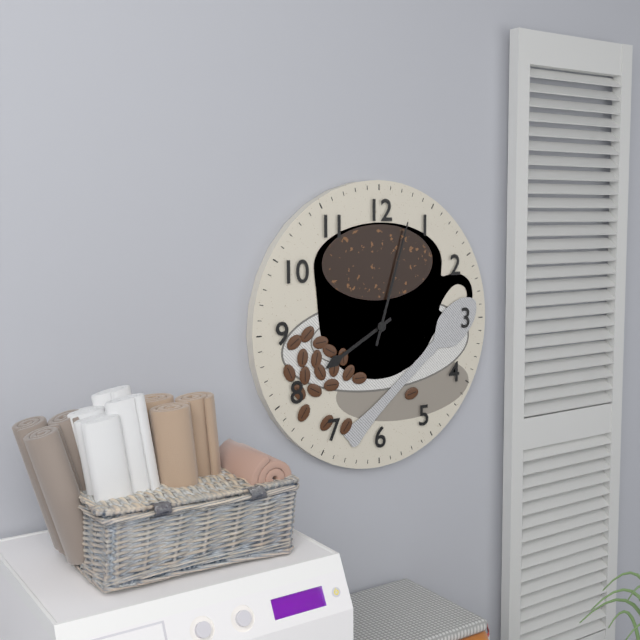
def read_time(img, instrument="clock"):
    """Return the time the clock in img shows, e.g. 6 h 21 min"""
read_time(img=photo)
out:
8 h 03 min
